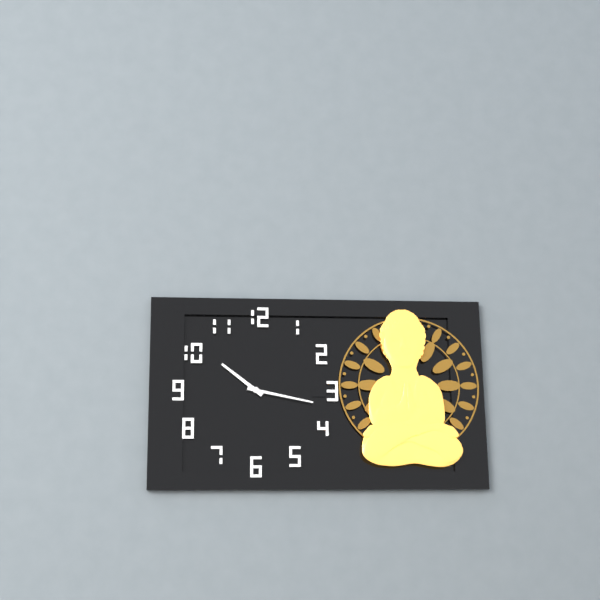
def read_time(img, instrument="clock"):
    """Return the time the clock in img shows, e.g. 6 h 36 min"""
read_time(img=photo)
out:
10 h 17 min
